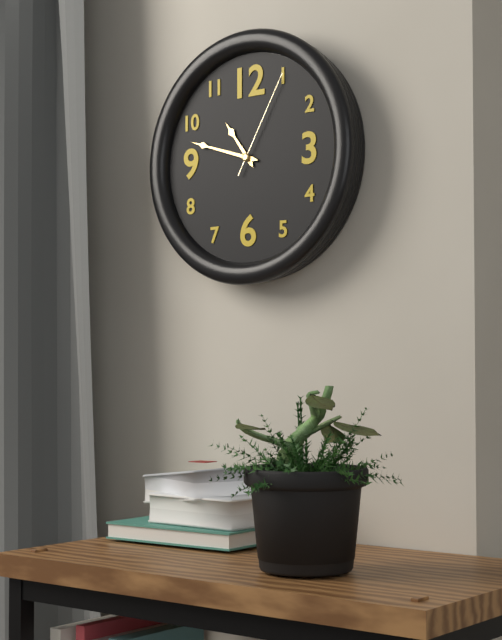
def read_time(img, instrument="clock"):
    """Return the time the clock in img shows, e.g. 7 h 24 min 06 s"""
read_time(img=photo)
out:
10 h 48 min 05 s
